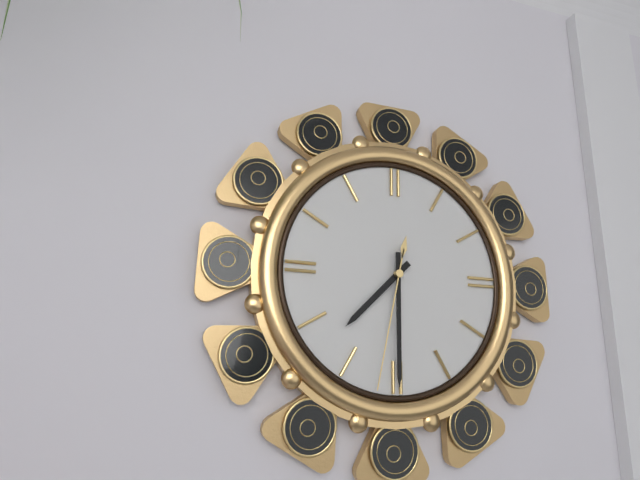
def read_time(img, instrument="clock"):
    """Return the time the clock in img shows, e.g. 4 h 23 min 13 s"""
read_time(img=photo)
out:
7 h 30 min 32 s
